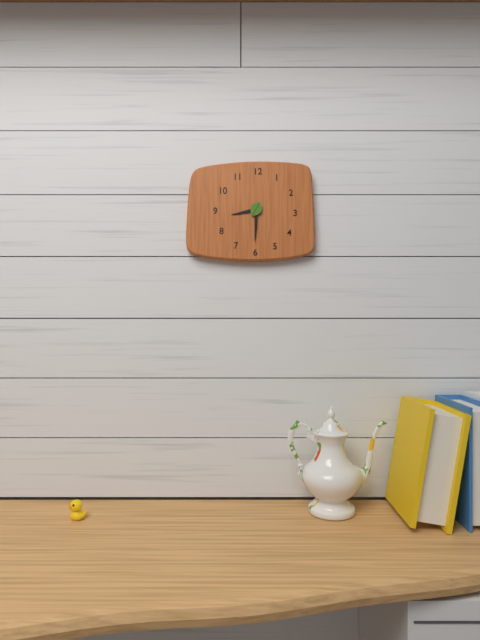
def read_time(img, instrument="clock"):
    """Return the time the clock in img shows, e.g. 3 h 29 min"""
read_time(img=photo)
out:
8 h 30 min
